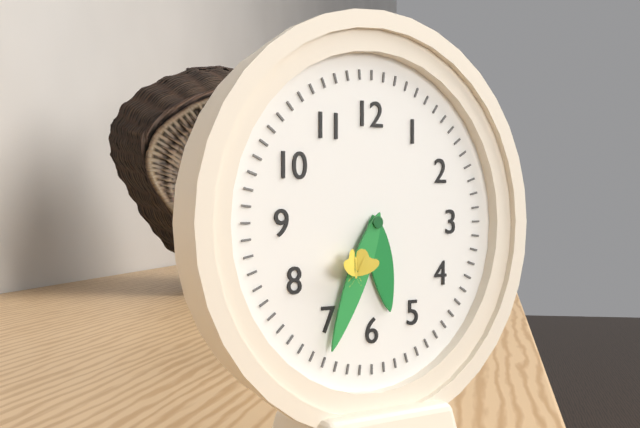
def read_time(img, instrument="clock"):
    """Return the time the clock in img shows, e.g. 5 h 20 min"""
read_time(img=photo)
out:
5 h 34 min
